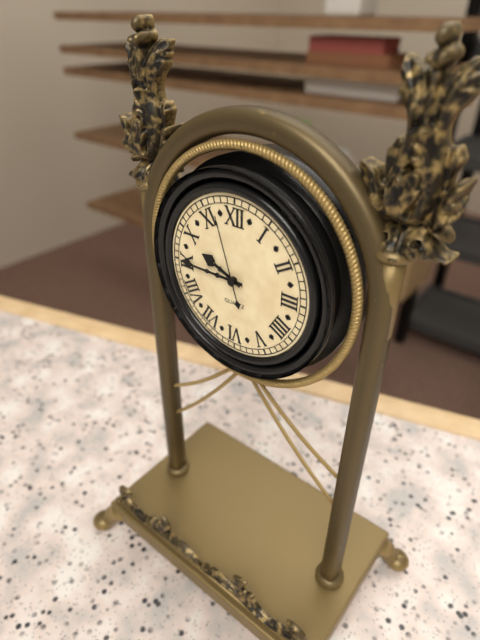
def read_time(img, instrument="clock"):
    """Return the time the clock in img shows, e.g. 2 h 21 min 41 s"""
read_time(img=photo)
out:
9 h 45 min 57 s
